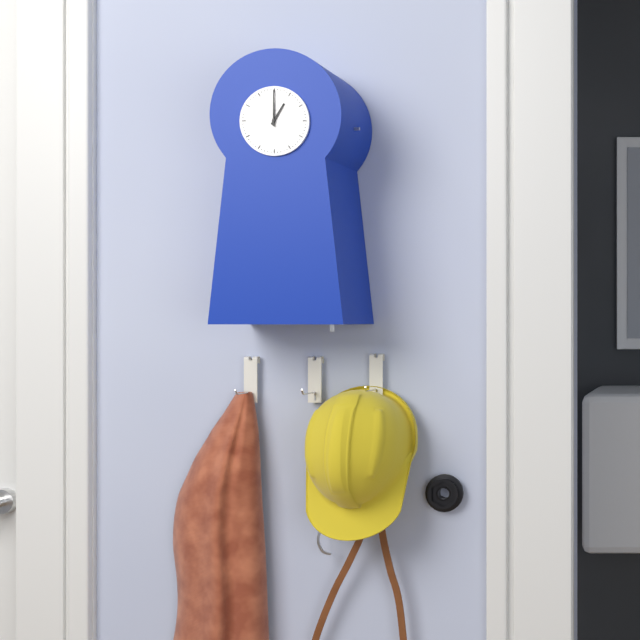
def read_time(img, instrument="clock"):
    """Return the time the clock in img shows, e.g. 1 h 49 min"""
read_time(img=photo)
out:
1 h 00 min
